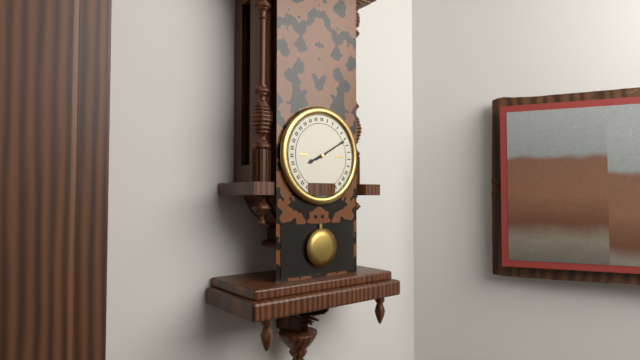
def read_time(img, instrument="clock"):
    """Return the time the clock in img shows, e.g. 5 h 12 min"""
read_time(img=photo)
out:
8 h 10 min
